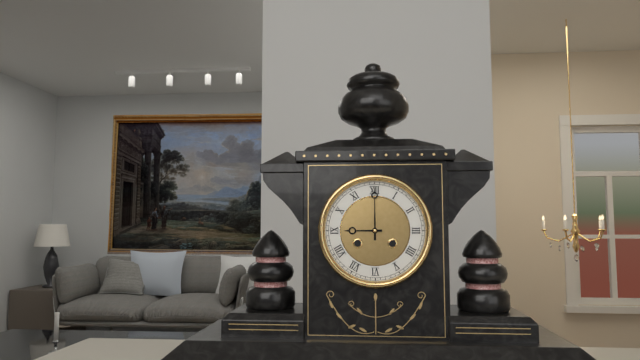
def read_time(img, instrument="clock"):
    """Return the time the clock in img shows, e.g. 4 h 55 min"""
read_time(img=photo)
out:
9 h 00 min
